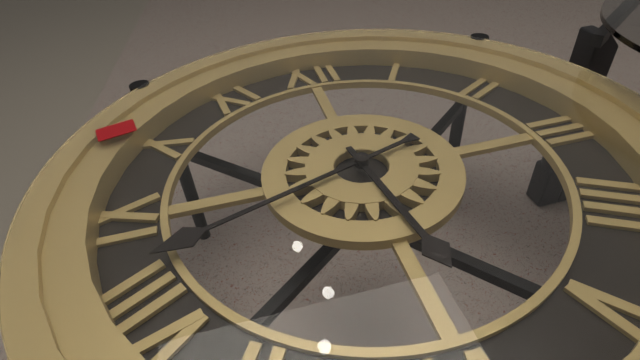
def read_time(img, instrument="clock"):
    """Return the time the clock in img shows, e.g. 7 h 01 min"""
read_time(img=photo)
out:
5 h 42 min
